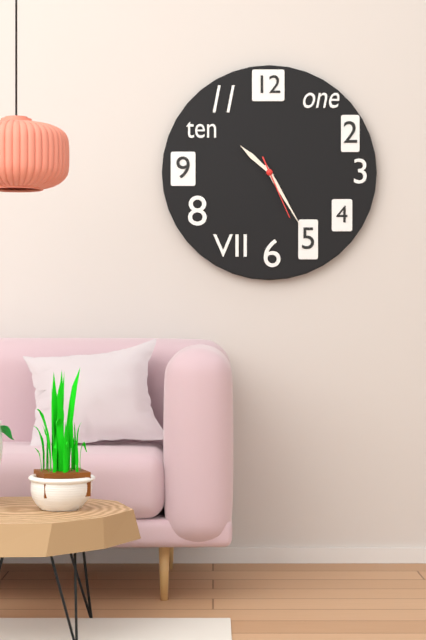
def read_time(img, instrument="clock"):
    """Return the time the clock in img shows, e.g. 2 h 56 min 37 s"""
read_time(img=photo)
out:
10 h 25 min 26 s
